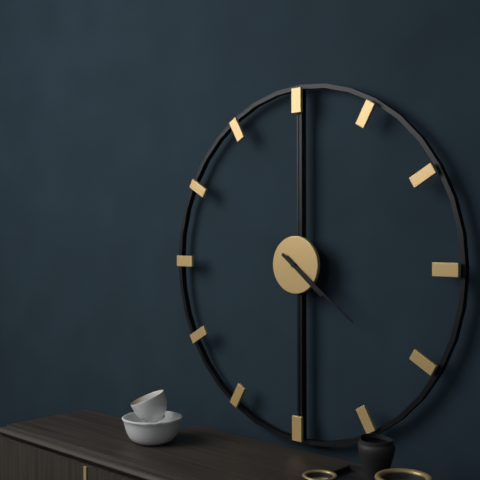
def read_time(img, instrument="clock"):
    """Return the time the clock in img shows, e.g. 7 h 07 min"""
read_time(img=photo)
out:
4 h 21 min
